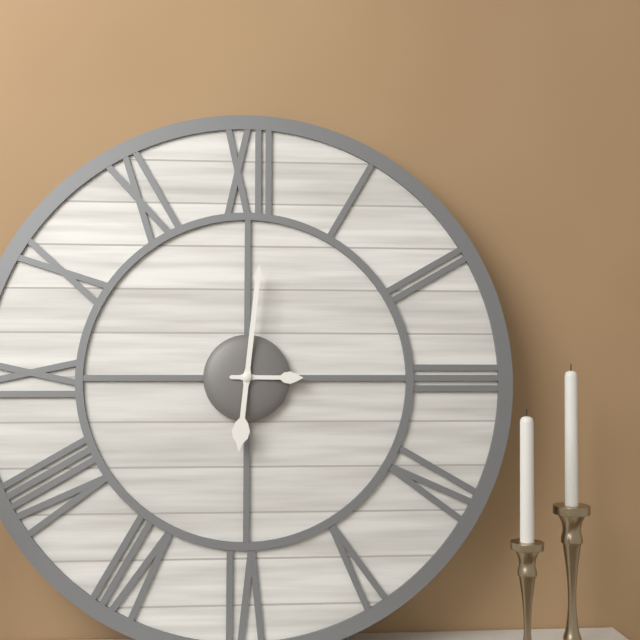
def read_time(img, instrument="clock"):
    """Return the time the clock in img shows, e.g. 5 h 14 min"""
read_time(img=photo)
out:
3 h 01 min
